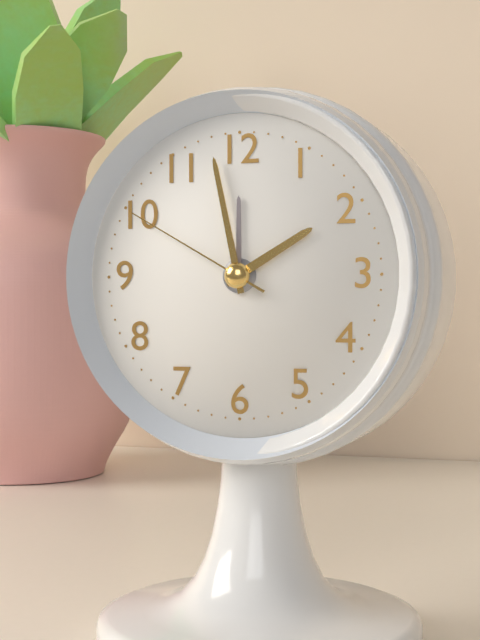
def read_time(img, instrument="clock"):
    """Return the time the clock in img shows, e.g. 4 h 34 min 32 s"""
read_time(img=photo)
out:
1 h 58 min 50 s
